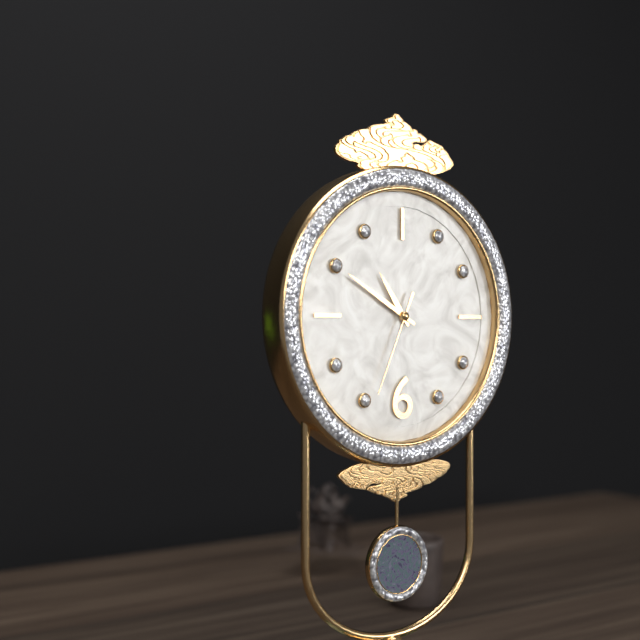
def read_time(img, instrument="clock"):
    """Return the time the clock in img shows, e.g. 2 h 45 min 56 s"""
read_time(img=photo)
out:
10 h 50 min 34 s
